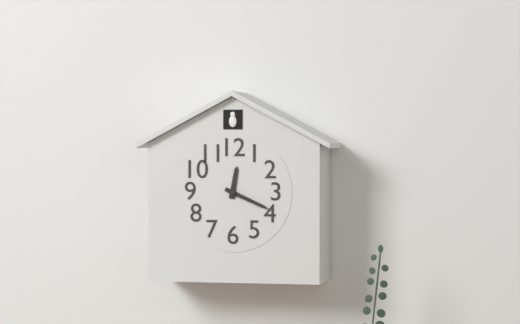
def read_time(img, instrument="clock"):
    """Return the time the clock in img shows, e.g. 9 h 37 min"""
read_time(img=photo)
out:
12 h 19 min
